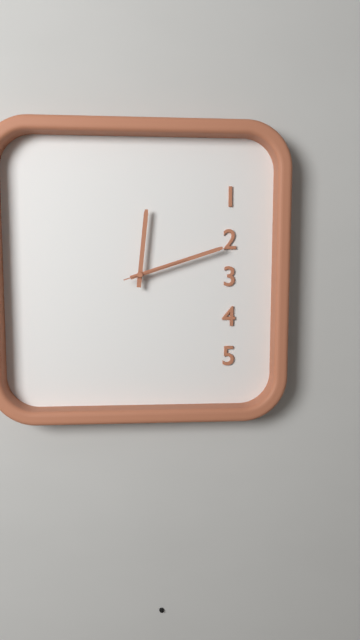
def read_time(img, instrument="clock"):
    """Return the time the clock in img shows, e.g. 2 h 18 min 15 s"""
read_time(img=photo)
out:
12 h 12 min 12 s
